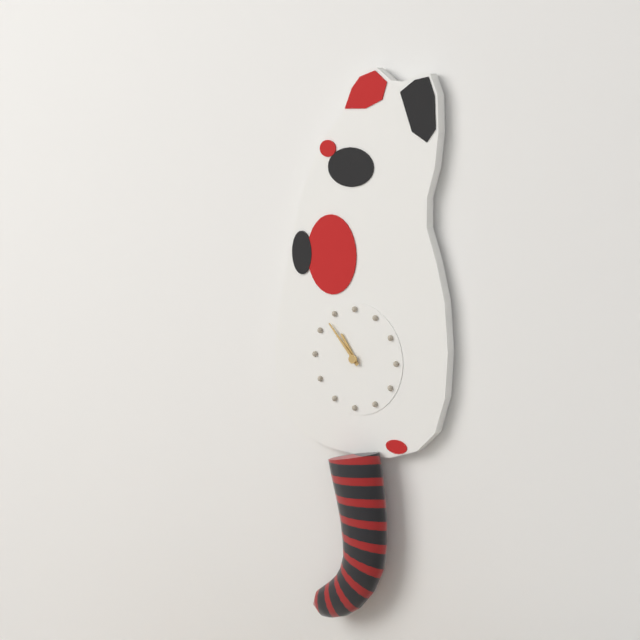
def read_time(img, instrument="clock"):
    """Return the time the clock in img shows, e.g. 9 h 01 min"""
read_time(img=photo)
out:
10 h 53 min
